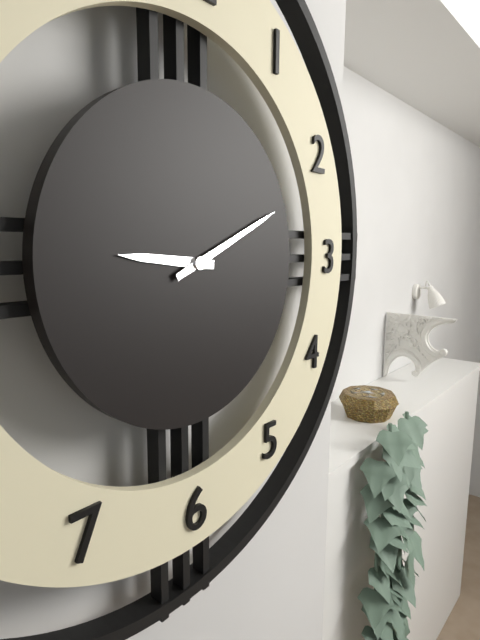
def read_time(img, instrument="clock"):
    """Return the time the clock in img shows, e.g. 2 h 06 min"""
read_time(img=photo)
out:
9 h 11 min
